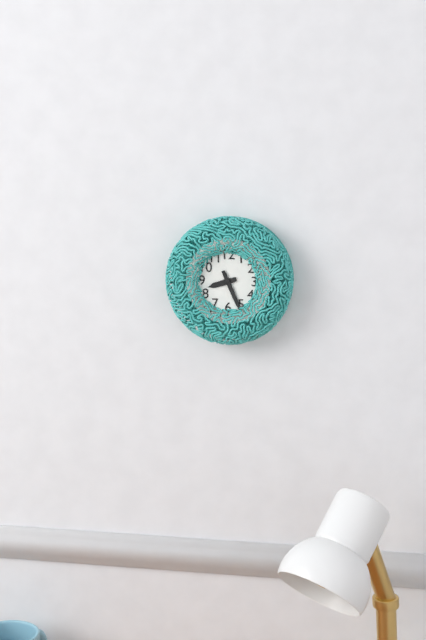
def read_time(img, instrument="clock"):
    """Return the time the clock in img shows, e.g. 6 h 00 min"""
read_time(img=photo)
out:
8 h 26 min
